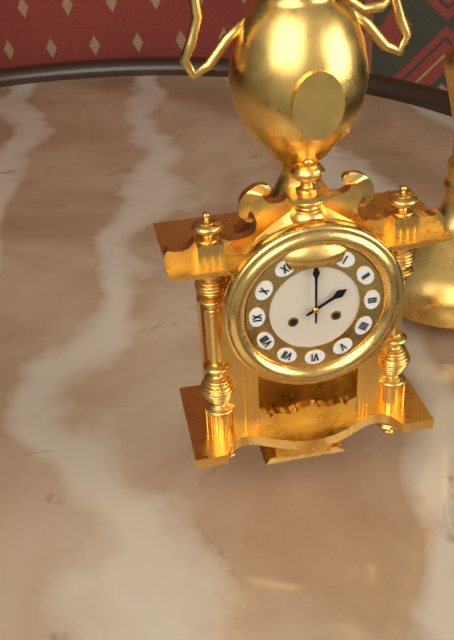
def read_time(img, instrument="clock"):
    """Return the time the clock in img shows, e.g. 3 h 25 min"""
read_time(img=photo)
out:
2 h 00 min
